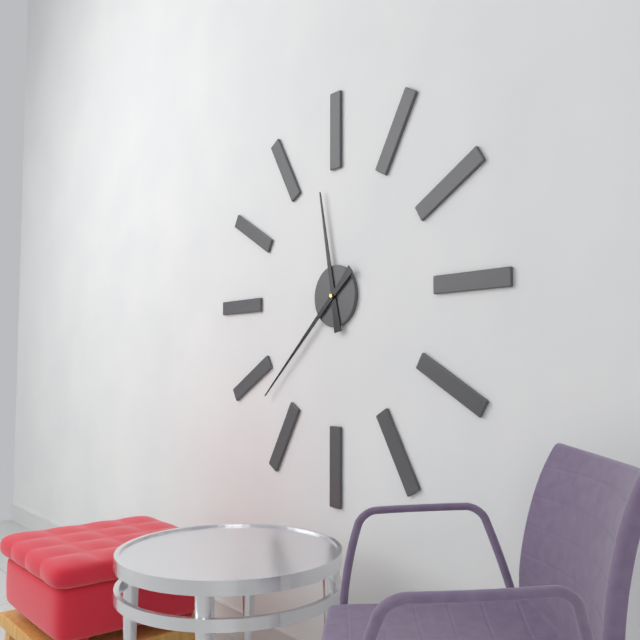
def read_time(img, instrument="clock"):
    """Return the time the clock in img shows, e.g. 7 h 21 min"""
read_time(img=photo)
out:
11 h 38 min
